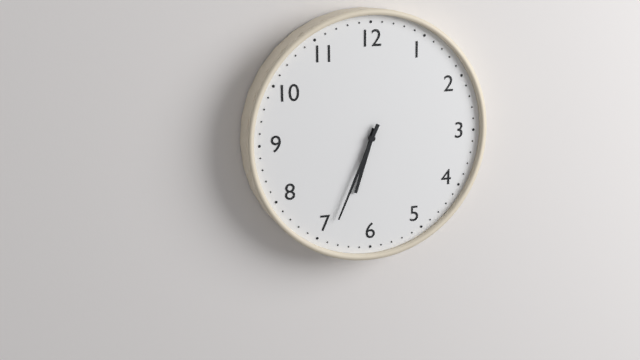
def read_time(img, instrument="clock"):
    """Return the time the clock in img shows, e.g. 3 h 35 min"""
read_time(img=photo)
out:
6 h 34 min
